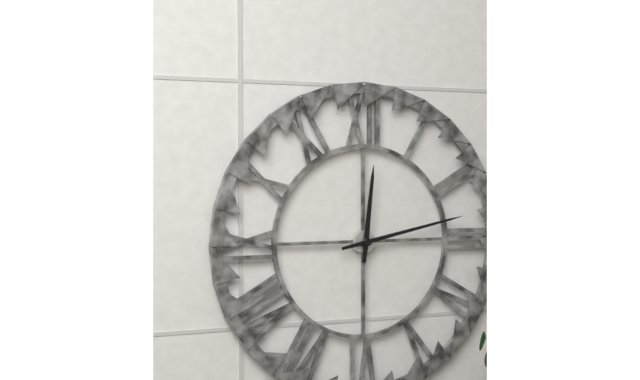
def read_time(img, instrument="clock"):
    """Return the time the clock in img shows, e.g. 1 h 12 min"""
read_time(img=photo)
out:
12 h 13 min
